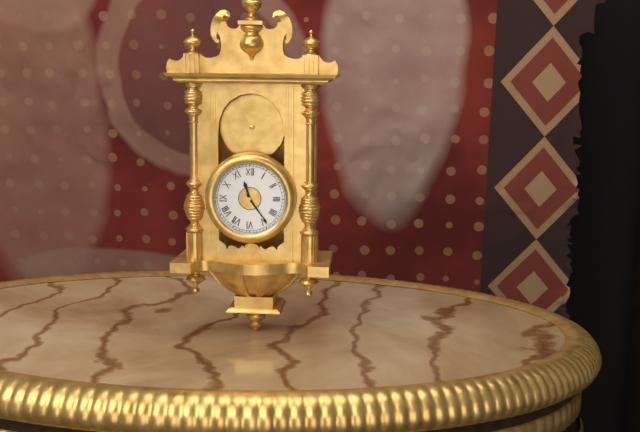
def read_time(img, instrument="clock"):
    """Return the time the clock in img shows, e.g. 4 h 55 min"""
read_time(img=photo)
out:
11 h 24 min
